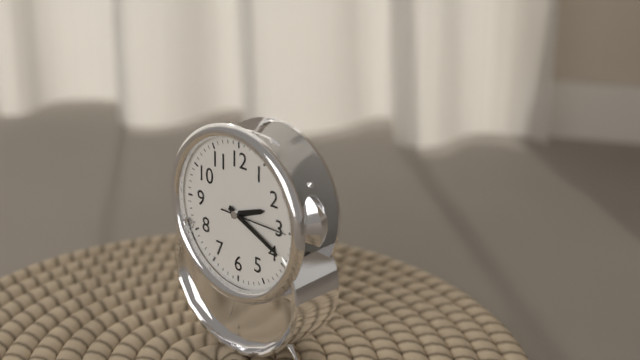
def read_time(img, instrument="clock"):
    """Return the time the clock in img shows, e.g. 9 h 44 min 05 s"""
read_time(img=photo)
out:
2 h 19 min 15 s
